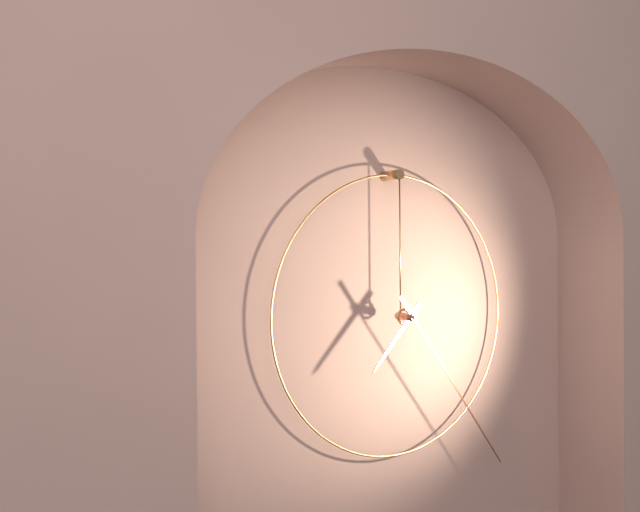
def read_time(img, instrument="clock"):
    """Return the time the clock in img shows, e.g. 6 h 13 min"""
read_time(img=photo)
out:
7 h 24 min
